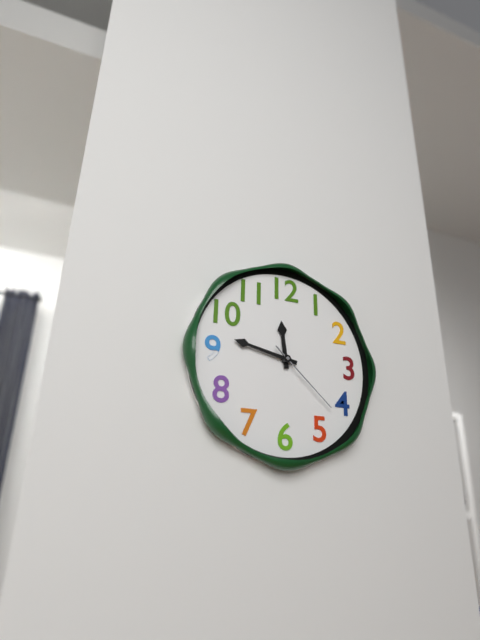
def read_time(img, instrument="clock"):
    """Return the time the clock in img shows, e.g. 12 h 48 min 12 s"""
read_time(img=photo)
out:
11 h 47 min 22 s
